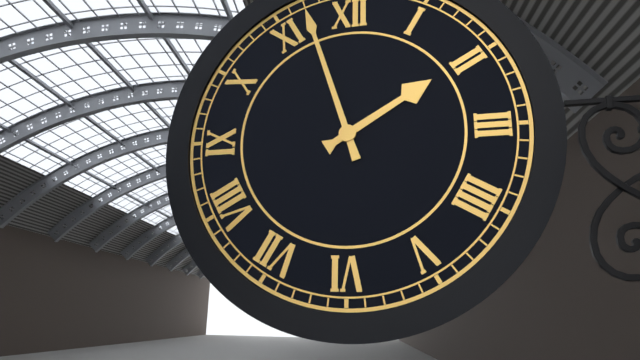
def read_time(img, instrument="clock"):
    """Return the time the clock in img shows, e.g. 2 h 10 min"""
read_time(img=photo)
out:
1 h 57 min
